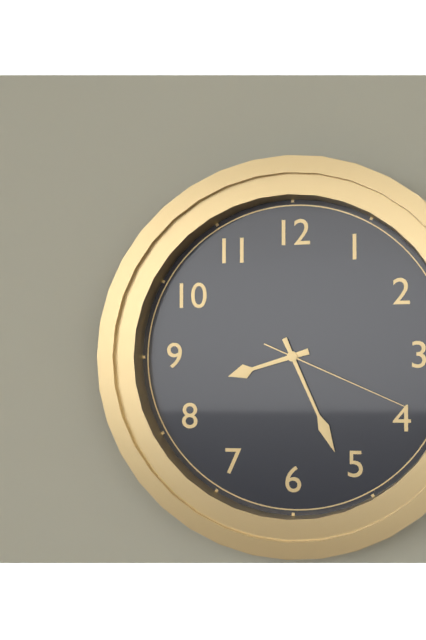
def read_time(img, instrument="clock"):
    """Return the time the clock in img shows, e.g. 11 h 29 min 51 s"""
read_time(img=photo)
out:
8 h 26 min 19 s
